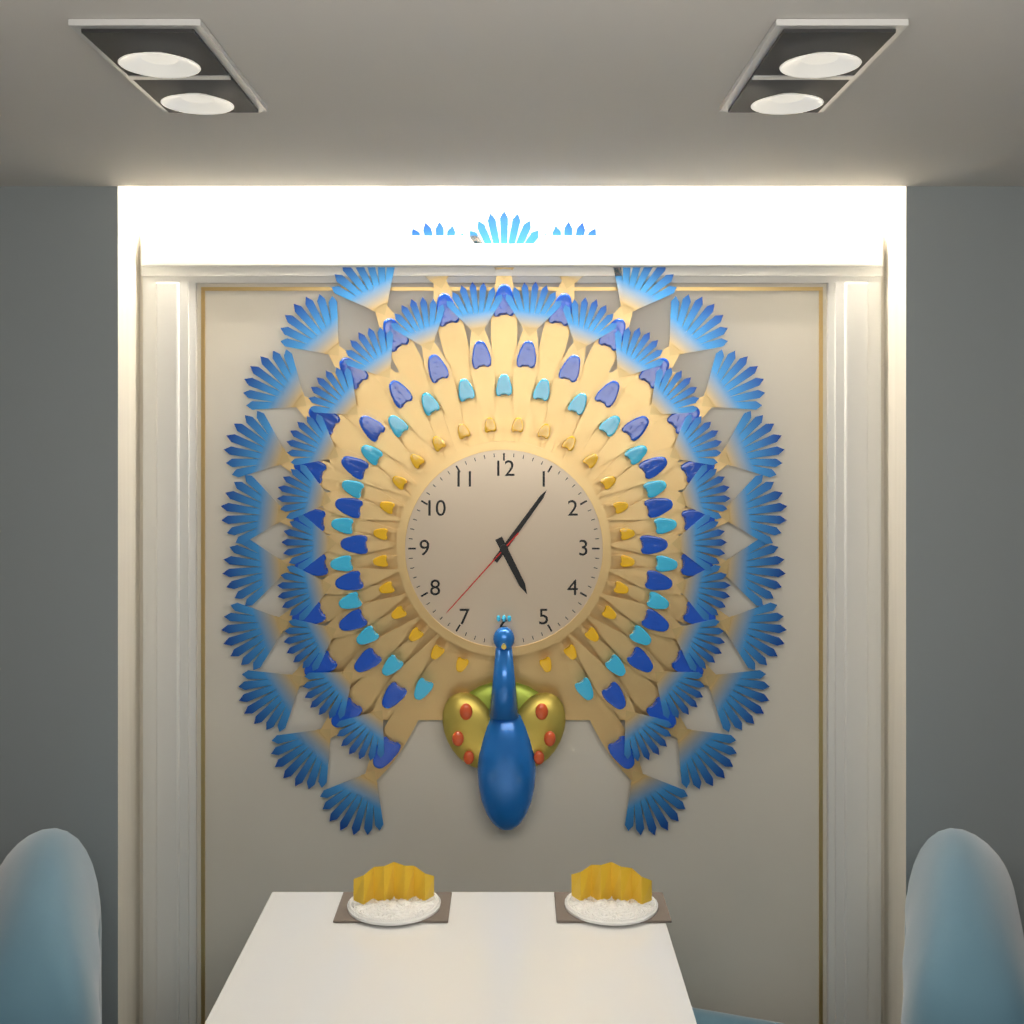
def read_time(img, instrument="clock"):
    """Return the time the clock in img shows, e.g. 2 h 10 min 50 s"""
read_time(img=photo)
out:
5 h 06 min 37 s
